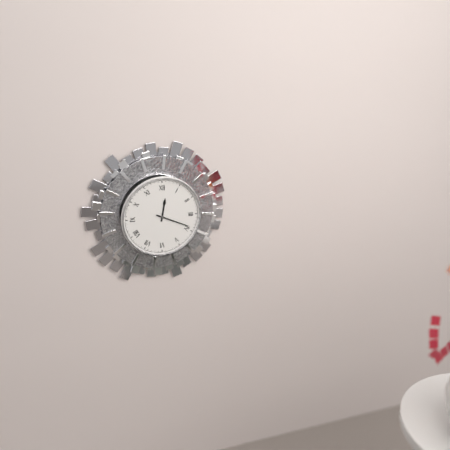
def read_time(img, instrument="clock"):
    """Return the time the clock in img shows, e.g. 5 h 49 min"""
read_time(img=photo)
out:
12 h 19 min
